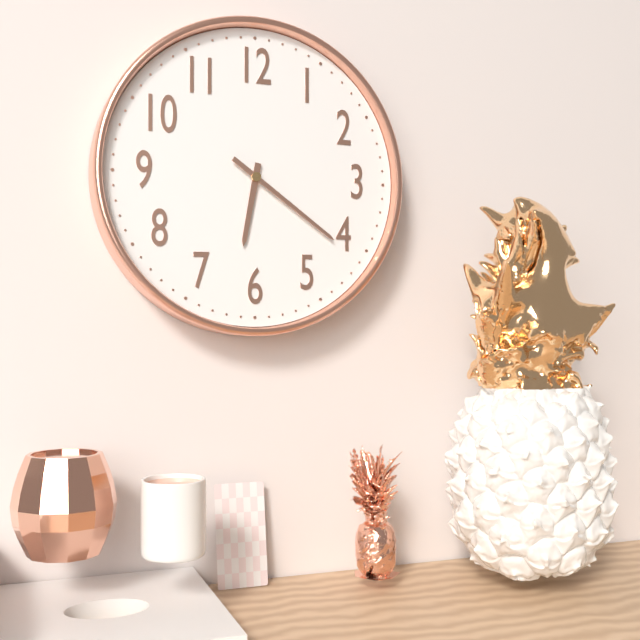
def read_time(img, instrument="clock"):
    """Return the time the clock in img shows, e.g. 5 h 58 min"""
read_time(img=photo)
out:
6 h 21 min
